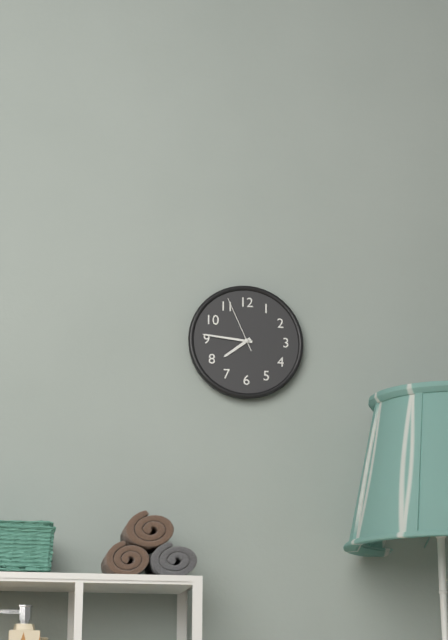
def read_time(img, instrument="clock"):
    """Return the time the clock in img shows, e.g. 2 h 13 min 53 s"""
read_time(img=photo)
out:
7 h 46 min 56 s
